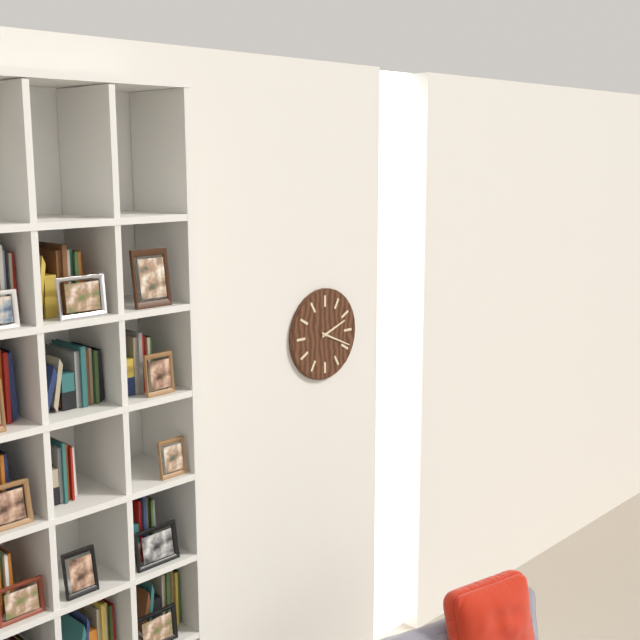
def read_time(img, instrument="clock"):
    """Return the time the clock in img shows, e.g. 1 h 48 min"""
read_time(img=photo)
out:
2 h 19 min
